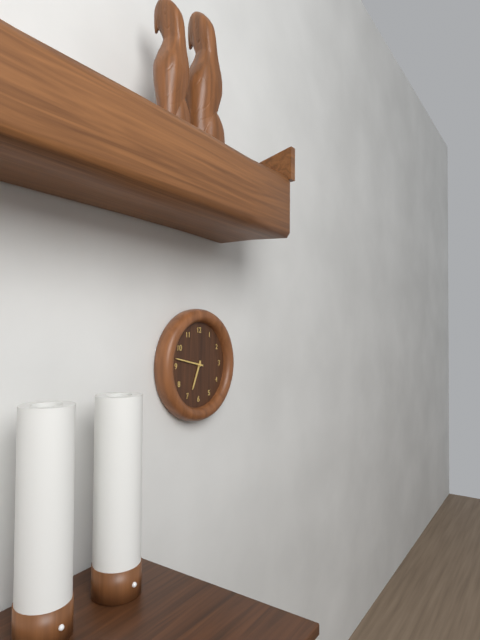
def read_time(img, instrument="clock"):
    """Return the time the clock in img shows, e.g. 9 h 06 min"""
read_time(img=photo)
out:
6 h 47 min
